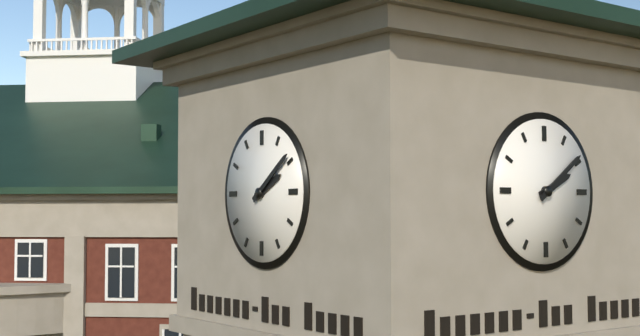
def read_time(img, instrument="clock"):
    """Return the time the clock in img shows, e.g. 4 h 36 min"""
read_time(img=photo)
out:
2 h 09 min
